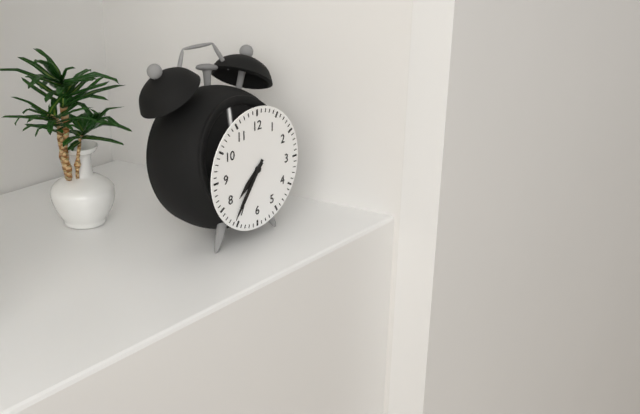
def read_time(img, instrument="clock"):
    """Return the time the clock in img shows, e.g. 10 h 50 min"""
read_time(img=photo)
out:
7 h 36 min
